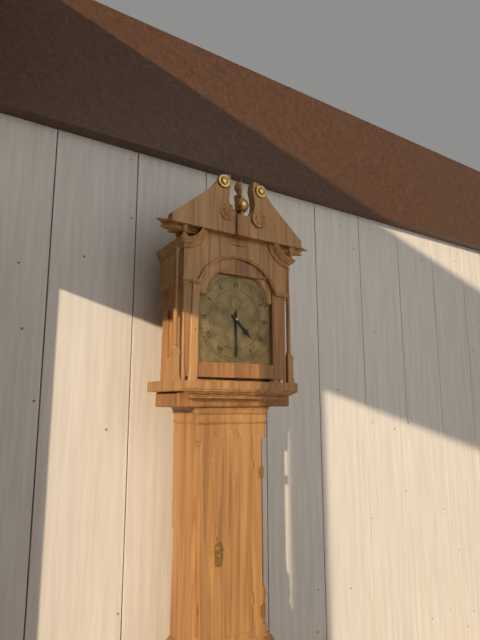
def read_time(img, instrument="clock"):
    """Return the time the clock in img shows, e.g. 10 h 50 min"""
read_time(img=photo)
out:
4 h 30 min
